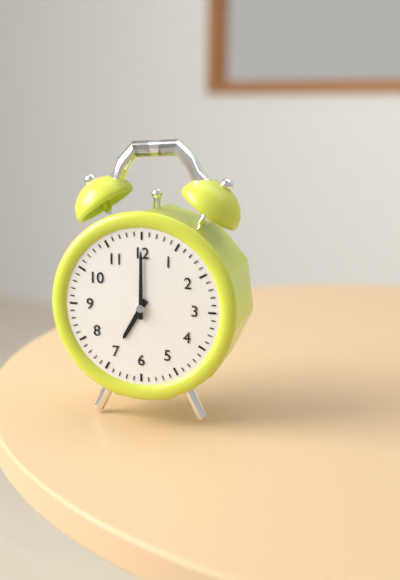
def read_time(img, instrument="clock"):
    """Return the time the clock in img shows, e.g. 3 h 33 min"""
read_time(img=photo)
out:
7 h 00 min
